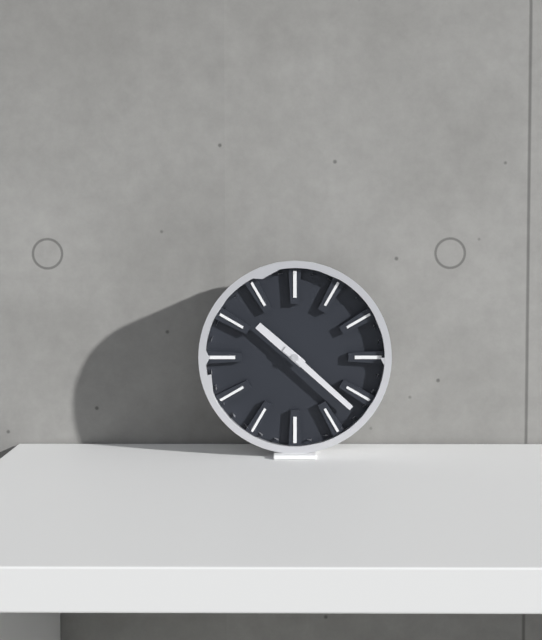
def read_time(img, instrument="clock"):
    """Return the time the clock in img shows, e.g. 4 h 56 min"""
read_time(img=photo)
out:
10 h 22 min
